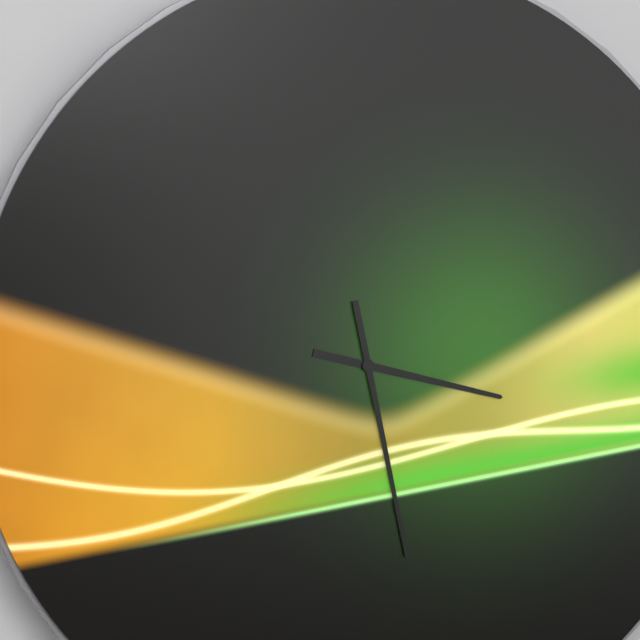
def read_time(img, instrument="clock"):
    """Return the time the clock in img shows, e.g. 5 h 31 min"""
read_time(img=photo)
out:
3 h 28 min
